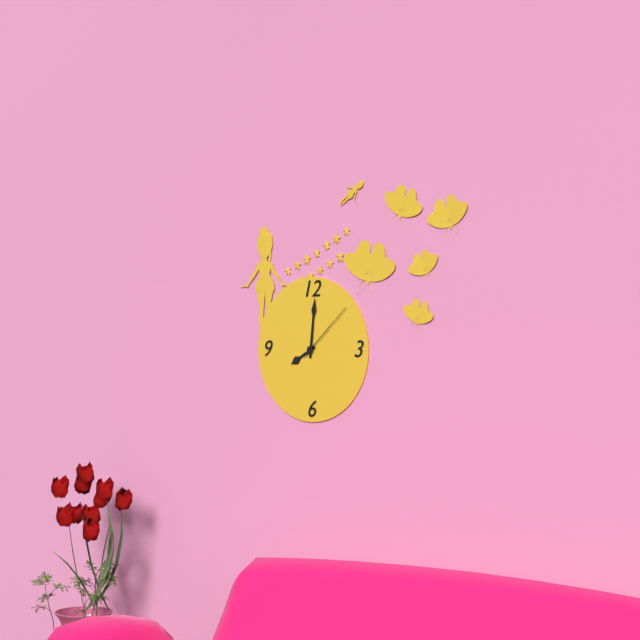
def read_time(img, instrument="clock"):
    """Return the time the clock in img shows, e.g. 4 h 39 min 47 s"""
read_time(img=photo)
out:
8 h 01 min 08 s
